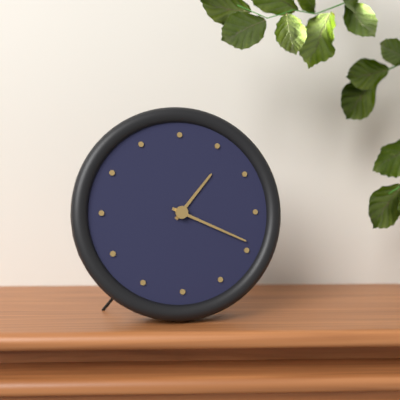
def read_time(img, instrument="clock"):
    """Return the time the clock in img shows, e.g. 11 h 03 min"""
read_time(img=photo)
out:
1 h 19 min
